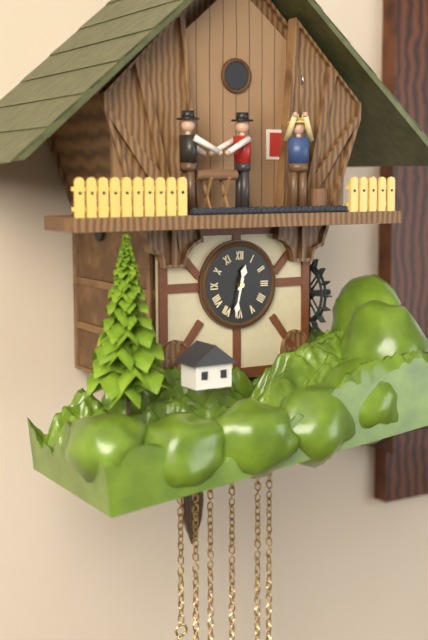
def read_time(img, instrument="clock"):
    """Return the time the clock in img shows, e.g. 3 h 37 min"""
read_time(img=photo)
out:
12 h 32 min
